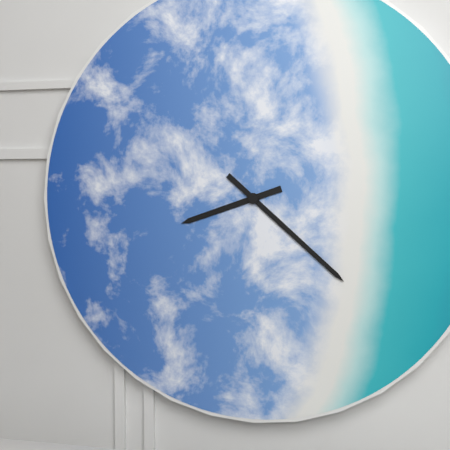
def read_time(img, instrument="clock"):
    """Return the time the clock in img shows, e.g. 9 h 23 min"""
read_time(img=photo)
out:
8 h 22 min
